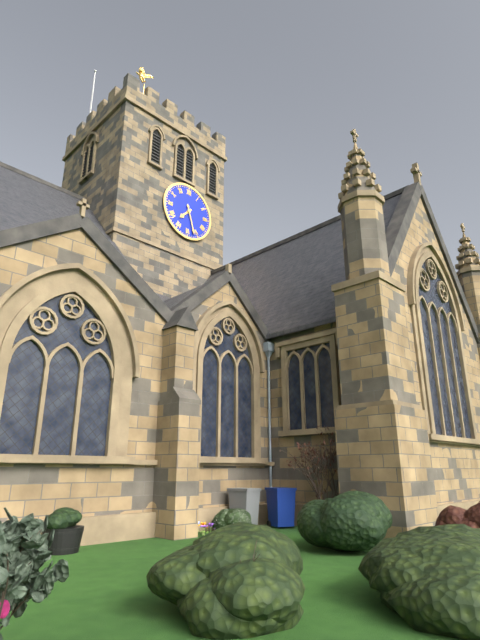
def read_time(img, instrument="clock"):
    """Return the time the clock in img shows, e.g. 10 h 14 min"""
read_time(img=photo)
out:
7 h 27 min
